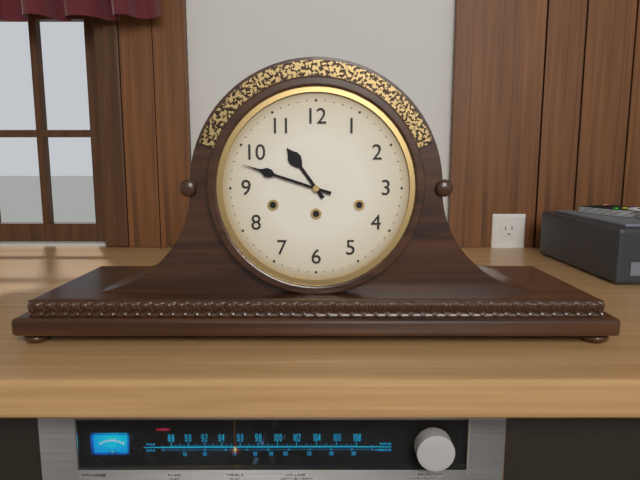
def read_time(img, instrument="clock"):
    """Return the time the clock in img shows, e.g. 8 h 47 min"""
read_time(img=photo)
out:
10 h 48 min
